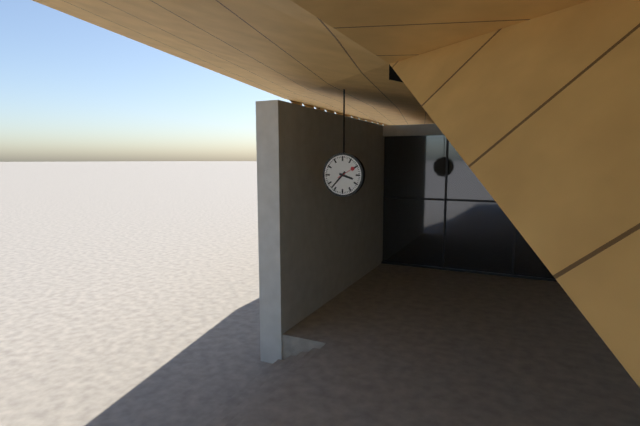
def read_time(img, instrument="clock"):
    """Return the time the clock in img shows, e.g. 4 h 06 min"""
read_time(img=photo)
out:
3 h 37 min
